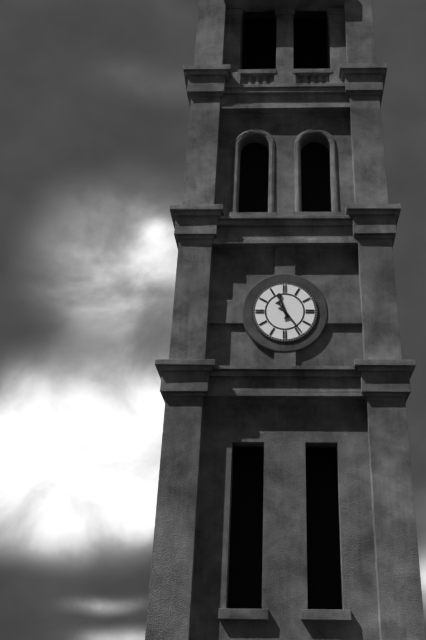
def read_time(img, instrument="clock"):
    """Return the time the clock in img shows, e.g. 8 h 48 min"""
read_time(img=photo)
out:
11 h 24 min
